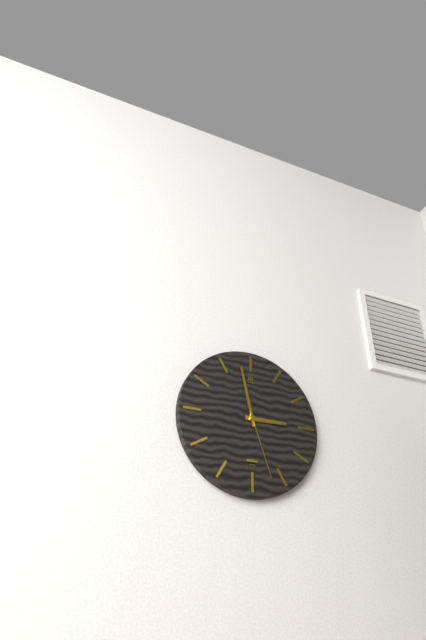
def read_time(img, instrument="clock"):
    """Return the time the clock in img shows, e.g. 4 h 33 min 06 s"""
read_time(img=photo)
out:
2 h 58 min 27 s
